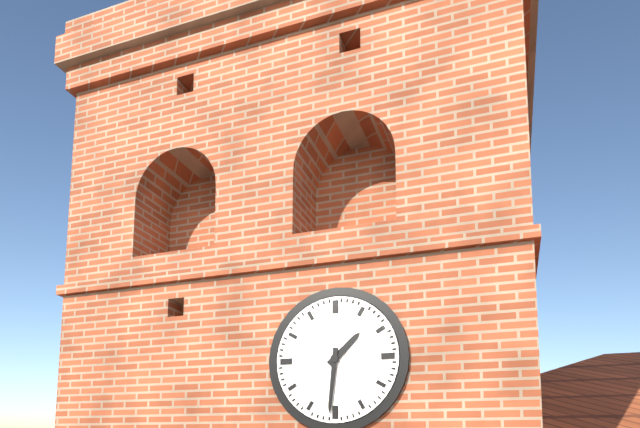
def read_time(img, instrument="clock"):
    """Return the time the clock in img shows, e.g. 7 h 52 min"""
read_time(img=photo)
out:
1 h 31 min
